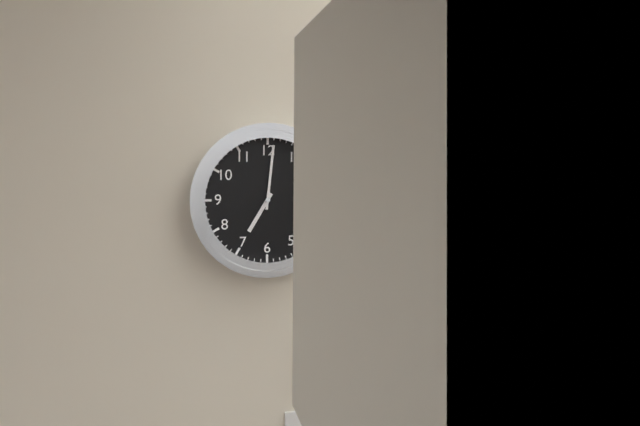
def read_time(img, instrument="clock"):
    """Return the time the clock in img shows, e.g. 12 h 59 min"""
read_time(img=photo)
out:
7 h 01 min
